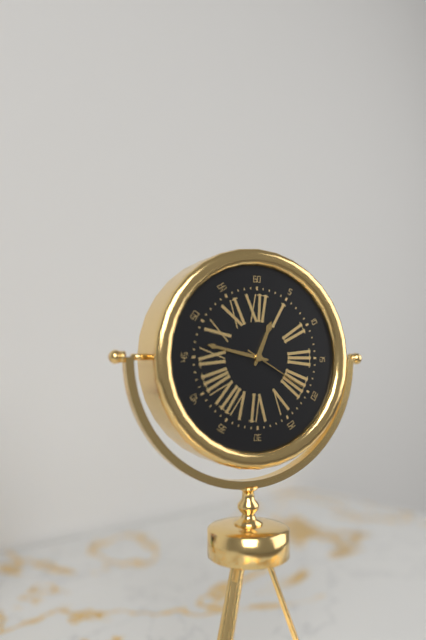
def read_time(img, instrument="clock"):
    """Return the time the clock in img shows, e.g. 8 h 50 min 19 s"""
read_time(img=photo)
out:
12 h 47 min 20 s
